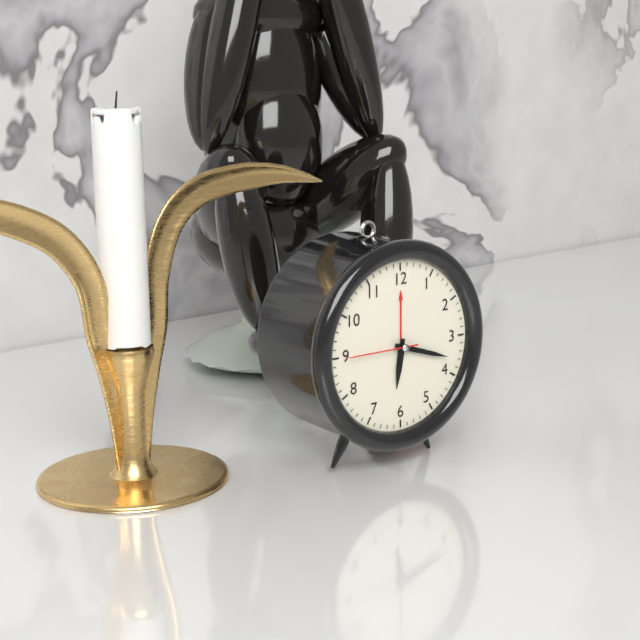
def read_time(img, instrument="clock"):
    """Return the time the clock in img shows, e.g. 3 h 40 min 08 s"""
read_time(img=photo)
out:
6 h 18 min 45 s
